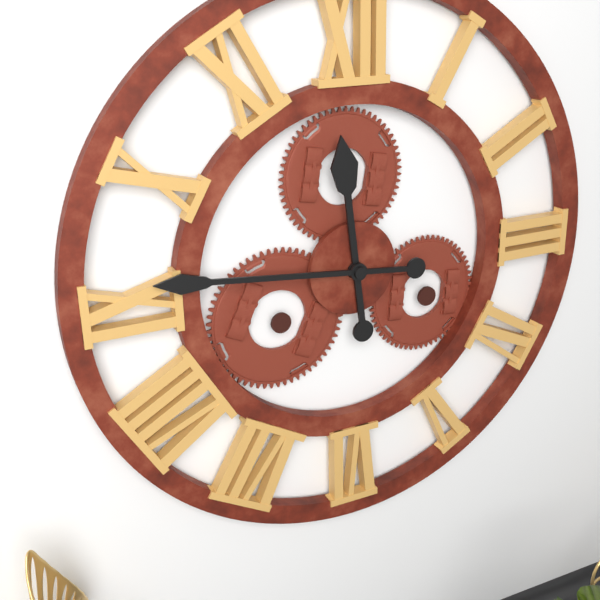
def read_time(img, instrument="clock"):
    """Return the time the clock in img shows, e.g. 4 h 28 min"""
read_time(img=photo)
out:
11 h 46 min
